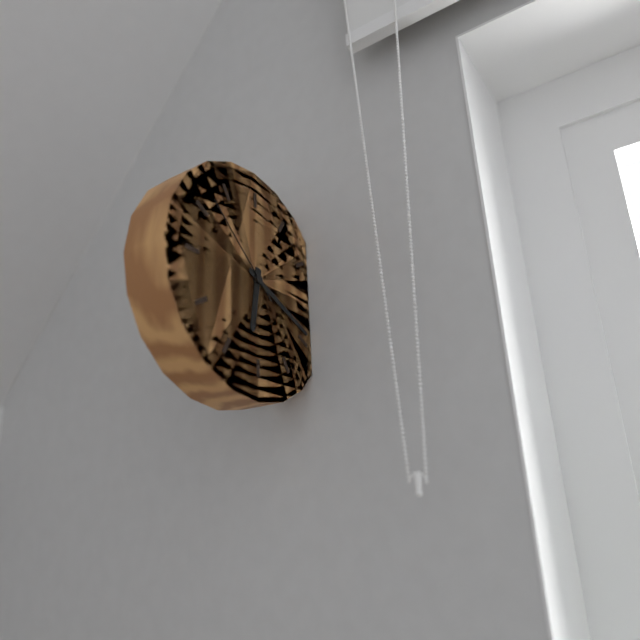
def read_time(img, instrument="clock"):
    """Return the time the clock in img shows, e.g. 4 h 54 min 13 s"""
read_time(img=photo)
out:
6 h 19 min 52 s
